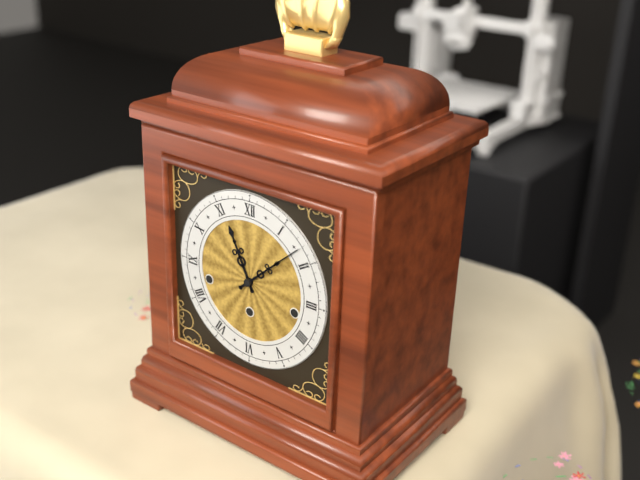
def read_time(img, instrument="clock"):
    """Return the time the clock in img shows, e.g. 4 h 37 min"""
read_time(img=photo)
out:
11 h 08 min
